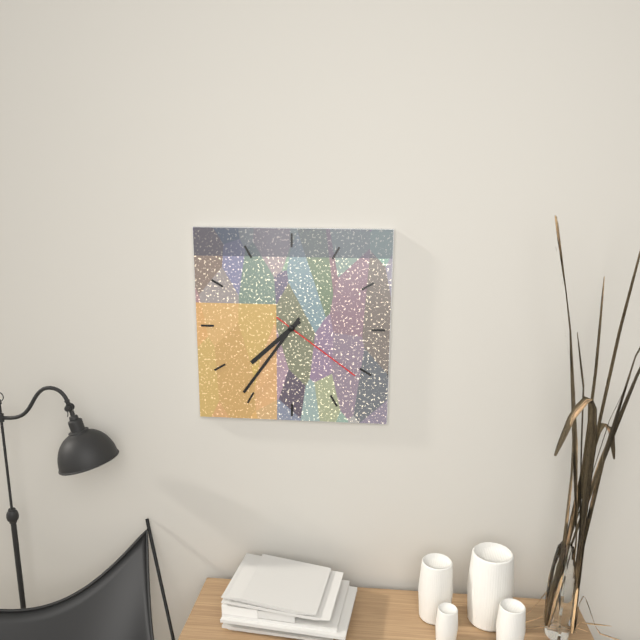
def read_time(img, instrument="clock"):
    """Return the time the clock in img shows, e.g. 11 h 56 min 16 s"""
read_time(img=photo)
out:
7 h 36 min 21 s
